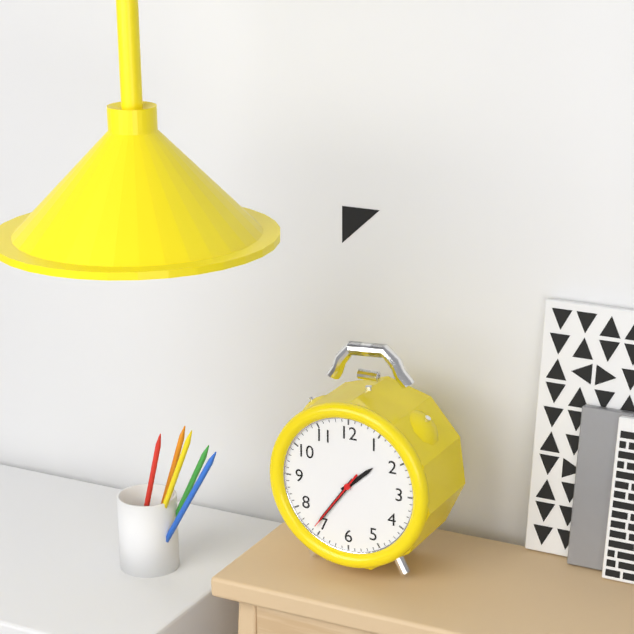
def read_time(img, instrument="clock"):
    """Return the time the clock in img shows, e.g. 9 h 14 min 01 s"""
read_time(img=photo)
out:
1 h 36 min 36 s
